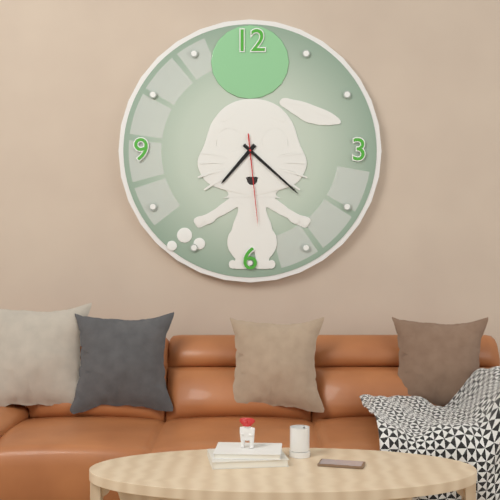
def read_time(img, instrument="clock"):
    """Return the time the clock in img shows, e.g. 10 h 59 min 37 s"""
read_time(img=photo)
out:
7 h 22 min 29 s
